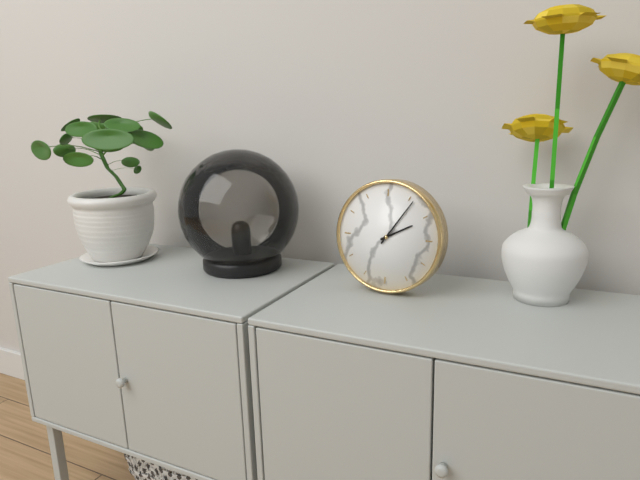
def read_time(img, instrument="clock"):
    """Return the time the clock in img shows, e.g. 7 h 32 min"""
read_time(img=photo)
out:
2 h 06 min
